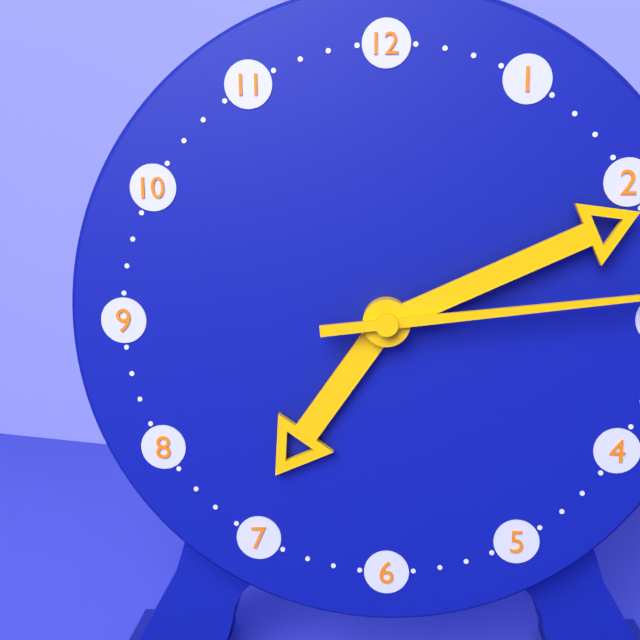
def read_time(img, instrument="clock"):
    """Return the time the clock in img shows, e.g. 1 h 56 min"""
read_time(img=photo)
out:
7 h 11 min
